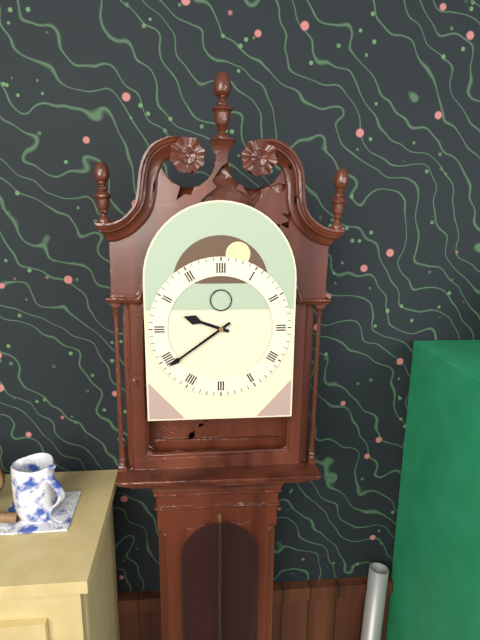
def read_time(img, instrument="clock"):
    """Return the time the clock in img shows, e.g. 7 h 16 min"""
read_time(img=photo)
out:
9 h 39 min
